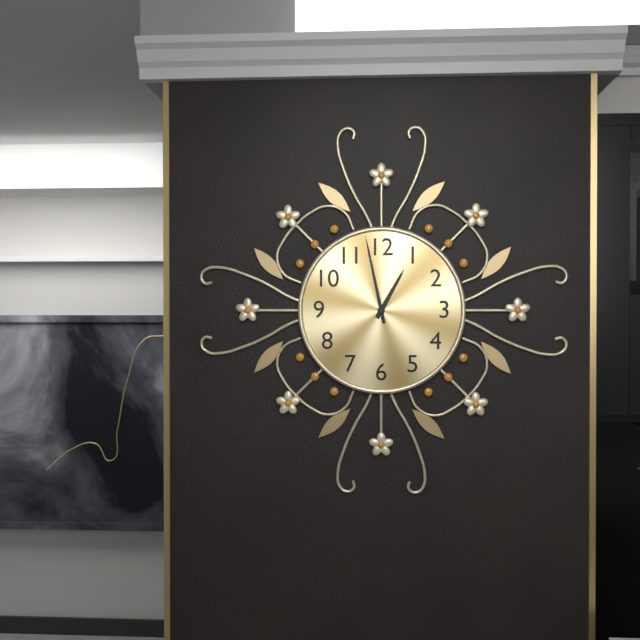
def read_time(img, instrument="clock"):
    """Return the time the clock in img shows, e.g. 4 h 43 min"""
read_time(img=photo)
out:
12 h 58 min
